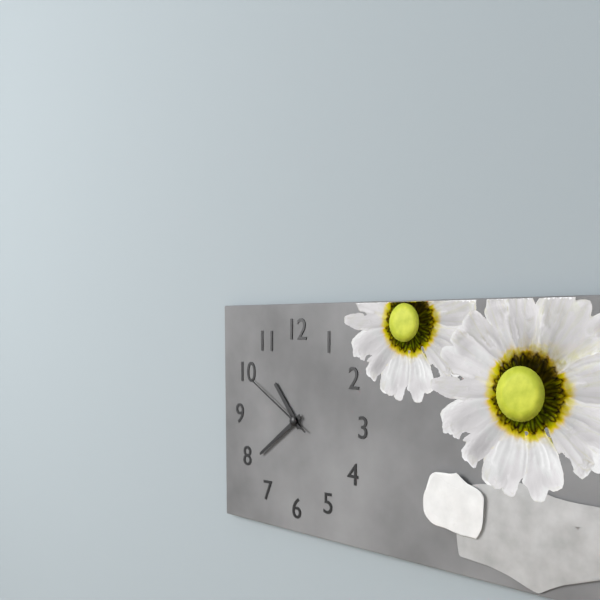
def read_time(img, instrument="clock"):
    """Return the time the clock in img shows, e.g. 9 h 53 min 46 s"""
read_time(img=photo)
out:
10 h 39 min 50 s
